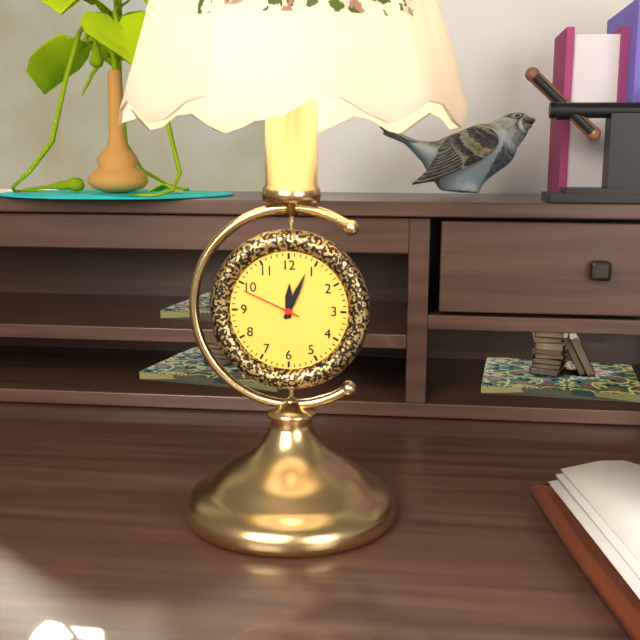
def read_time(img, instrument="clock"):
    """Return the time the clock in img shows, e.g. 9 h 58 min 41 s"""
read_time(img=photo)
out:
12 h 04 min 49 s
